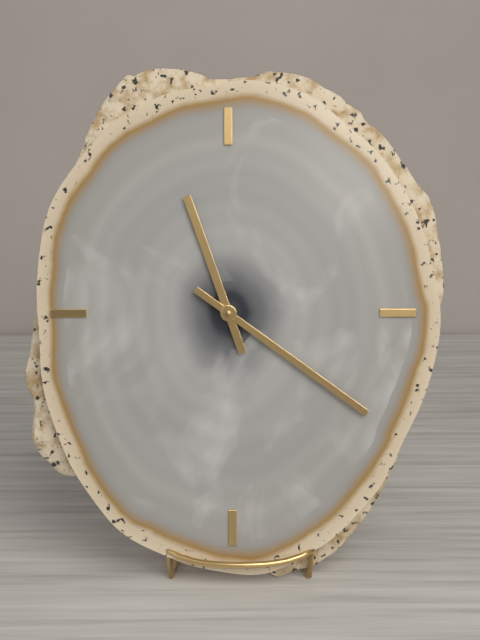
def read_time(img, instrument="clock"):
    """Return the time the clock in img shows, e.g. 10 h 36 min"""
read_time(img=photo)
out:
11 h 21 min
